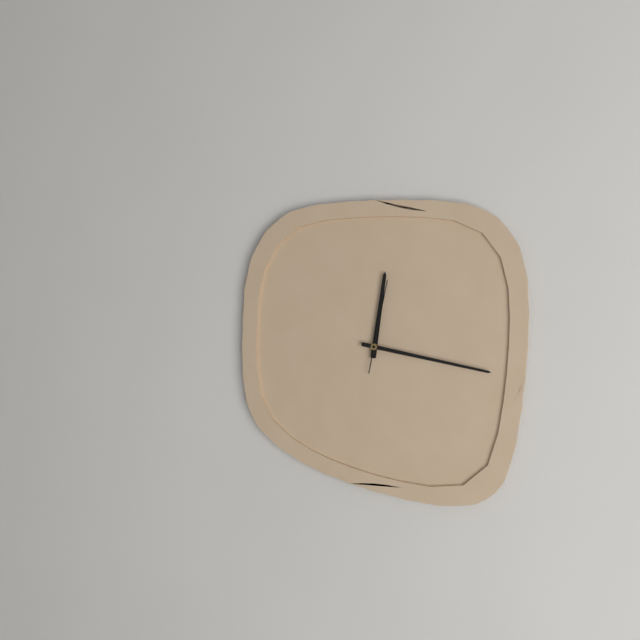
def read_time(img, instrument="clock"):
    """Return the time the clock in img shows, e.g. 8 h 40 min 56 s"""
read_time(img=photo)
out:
12 h 17 min 02 s
